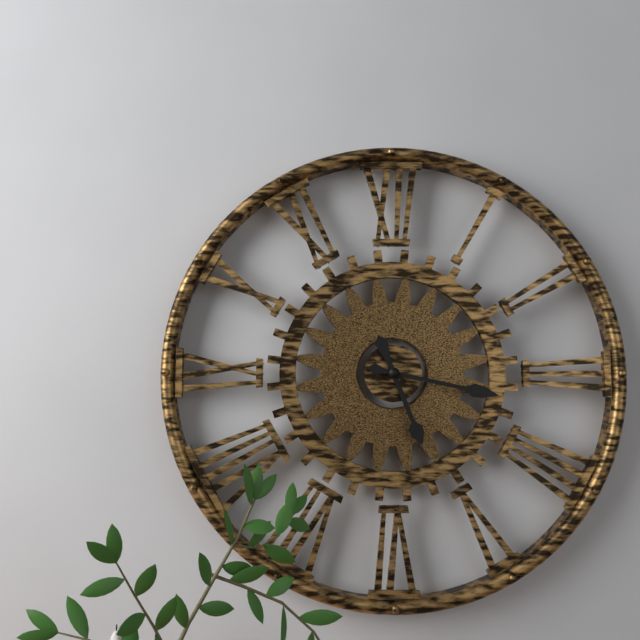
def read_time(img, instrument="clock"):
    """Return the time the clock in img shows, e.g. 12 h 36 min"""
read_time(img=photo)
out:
5 h 17 min
